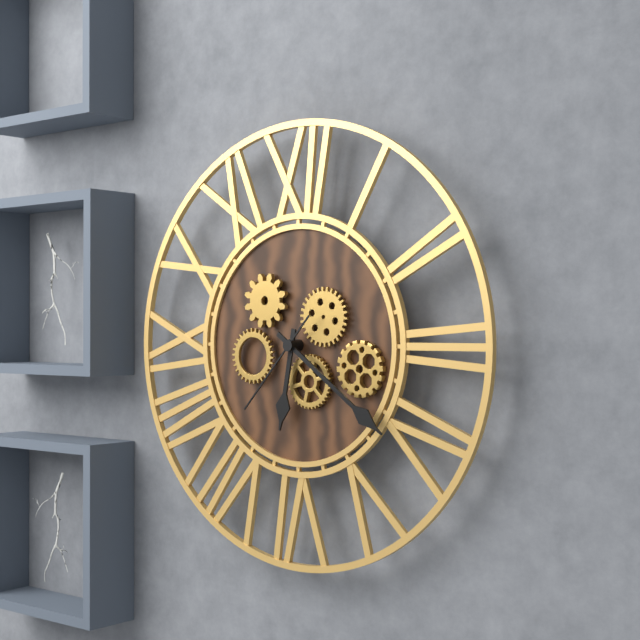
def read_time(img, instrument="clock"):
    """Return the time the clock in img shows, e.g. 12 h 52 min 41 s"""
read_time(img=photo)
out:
6 h 21 min 37 s
